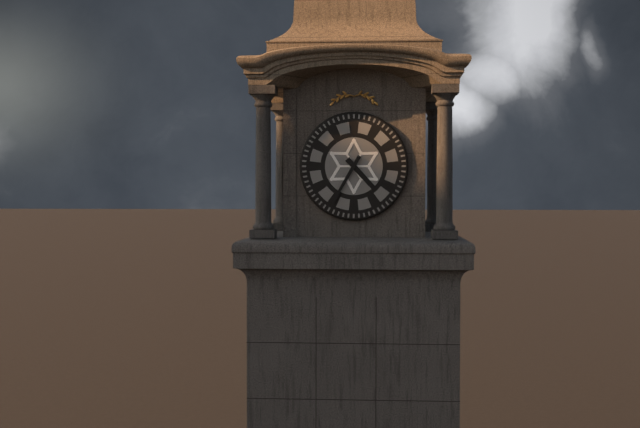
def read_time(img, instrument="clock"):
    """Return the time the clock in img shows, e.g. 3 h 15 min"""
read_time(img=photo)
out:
4 h 35 min
